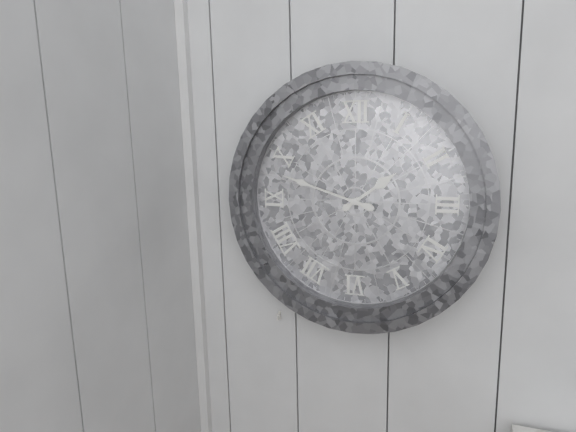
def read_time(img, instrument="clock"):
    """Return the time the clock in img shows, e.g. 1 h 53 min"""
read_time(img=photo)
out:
1 h 48 min
